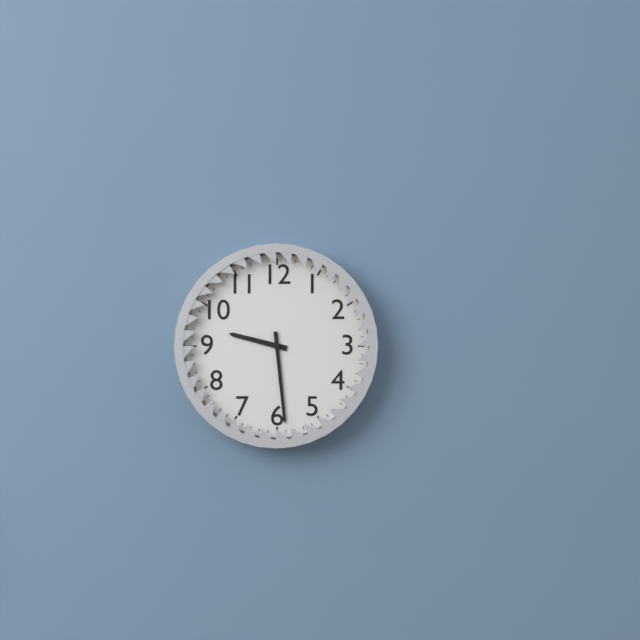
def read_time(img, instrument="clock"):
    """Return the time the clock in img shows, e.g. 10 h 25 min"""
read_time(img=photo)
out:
9 h 29 min
